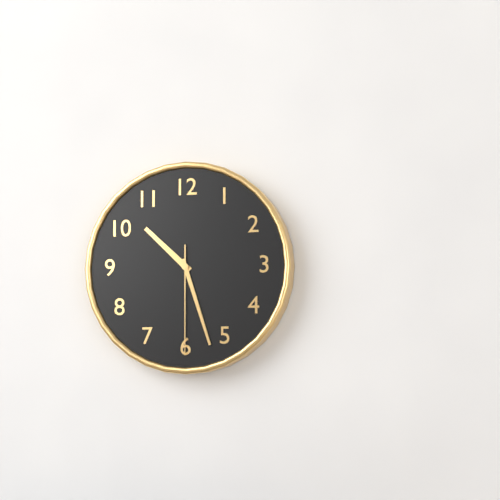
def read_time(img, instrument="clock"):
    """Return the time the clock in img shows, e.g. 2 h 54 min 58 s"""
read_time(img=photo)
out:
10 h 27 min 30 s
